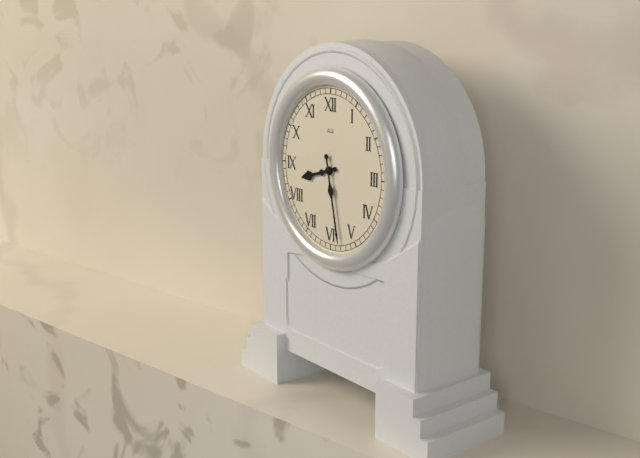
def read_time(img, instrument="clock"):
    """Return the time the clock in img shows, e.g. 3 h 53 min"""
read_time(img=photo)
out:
8 h 28 min
